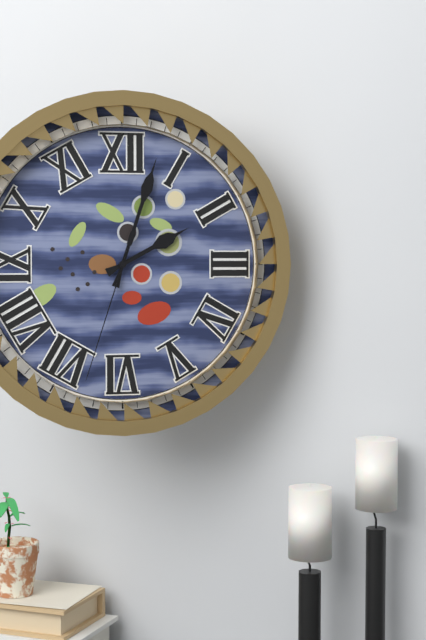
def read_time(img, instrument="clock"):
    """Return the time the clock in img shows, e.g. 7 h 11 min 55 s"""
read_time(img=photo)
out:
2 h 03 min 33 s
